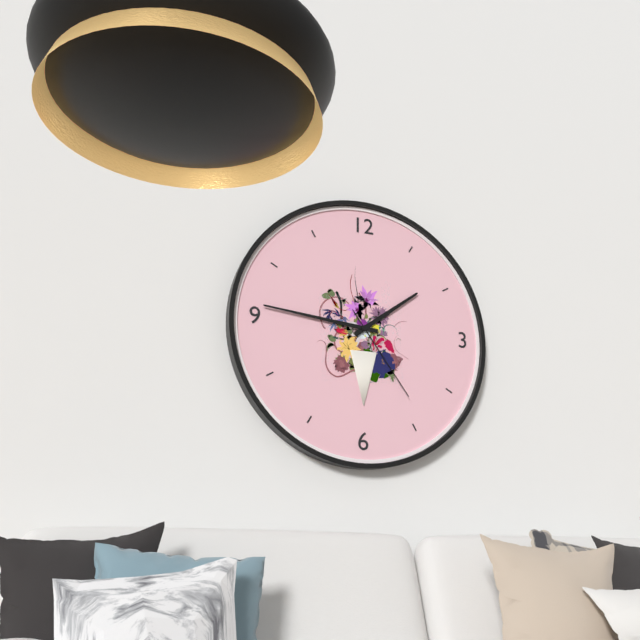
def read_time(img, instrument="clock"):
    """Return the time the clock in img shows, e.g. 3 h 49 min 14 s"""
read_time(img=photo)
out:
1 h 46 min 24 s
